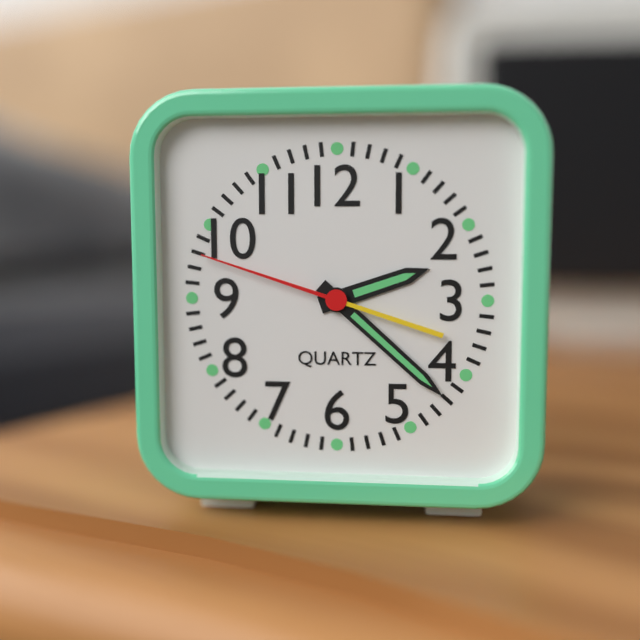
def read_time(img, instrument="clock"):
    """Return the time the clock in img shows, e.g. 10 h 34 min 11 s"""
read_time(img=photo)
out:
2 h 22 min 48 s
